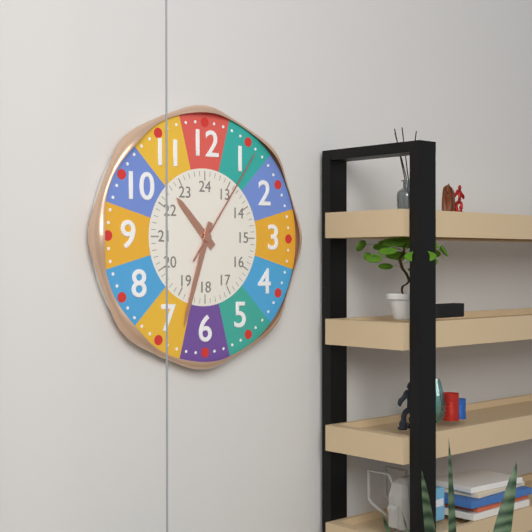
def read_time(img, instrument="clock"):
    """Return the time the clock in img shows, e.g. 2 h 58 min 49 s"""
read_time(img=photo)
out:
10 h 33 min 06 s
